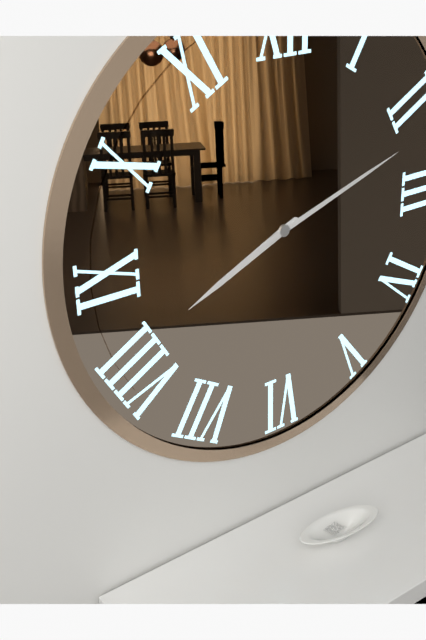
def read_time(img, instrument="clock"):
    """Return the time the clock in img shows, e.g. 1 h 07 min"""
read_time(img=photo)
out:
8 h 12 min
